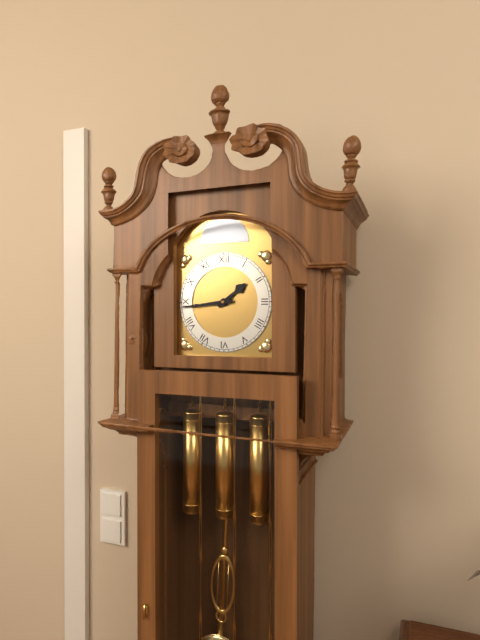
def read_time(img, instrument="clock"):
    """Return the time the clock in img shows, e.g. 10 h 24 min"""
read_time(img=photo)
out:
1 h 44 min
